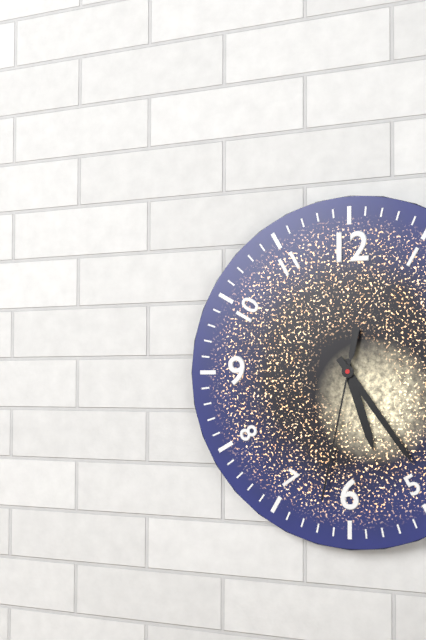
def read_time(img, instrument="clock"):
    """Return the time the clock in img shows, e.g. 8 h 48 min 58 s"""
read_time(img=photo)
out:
5 h 24 min 32 s
